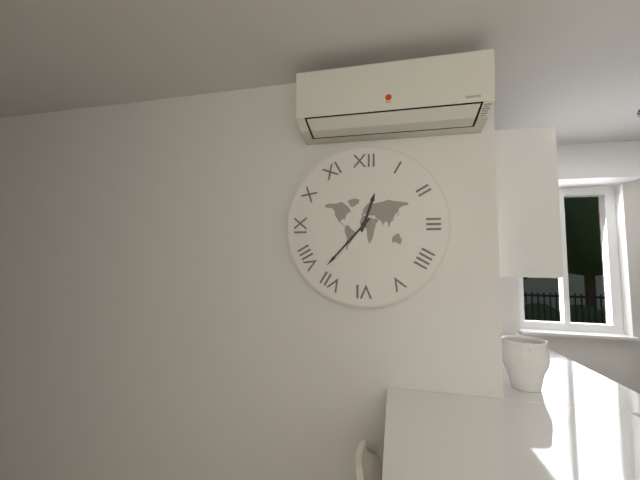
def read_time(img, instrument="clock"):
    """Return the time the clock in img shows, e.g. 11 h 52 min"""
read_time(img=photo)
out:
12 h 37 min
